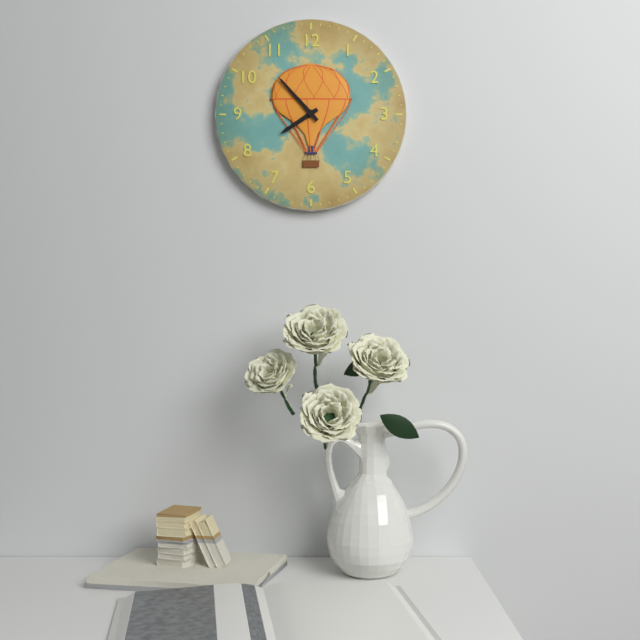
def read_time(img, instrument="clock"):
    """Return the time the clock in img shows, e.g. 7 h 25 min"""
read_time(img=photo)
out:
7 h 53 min
